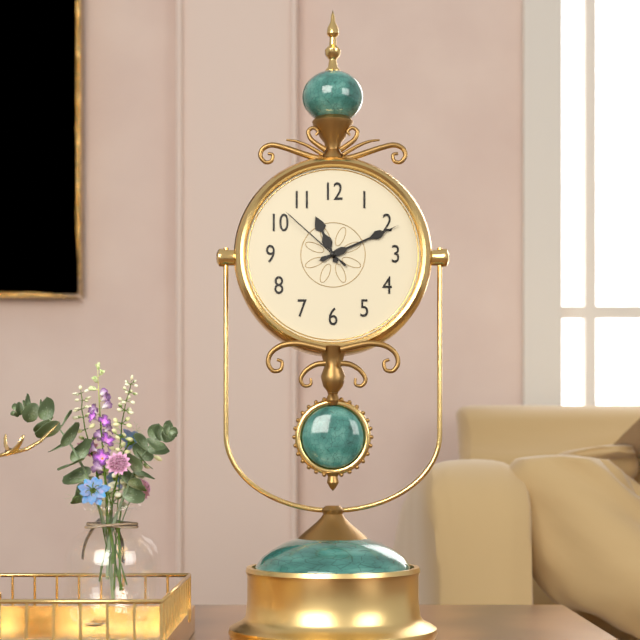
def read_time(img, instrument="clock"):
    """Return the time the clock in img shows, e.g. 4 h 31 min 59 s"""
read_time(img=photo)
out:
11 h 11 min 52 s
